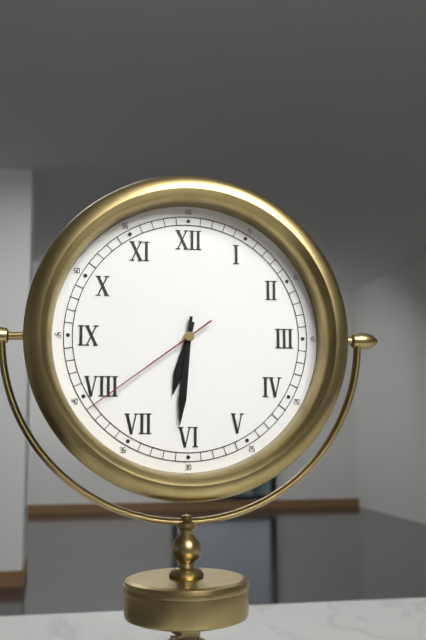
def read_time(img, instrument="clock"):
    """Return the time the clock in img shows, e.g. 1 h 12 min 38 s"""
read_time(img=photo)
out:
6 h 31 min 39 s
